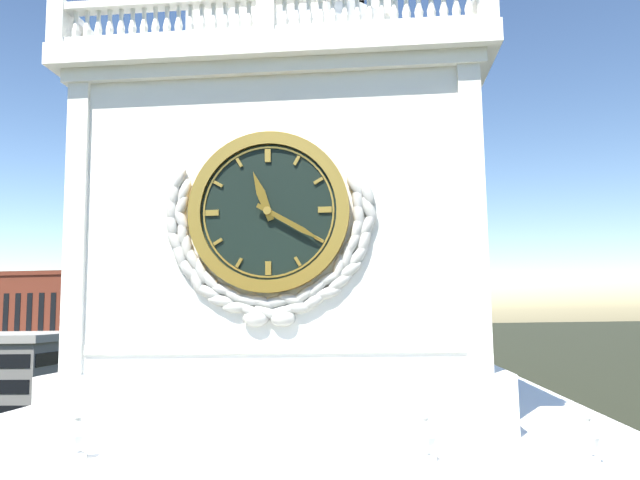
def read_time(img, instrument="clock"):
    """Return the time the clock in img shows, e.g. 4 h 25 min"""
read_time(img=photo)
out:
11 h 20 min
